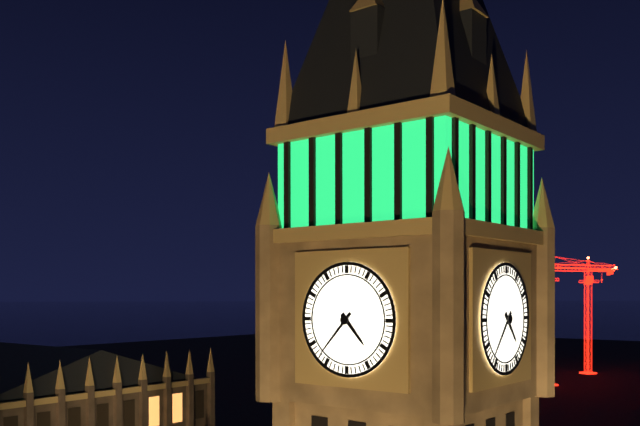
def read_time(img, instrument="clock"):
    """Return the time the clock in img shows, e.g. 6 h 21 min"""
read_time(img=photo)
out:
4 h 37 min
